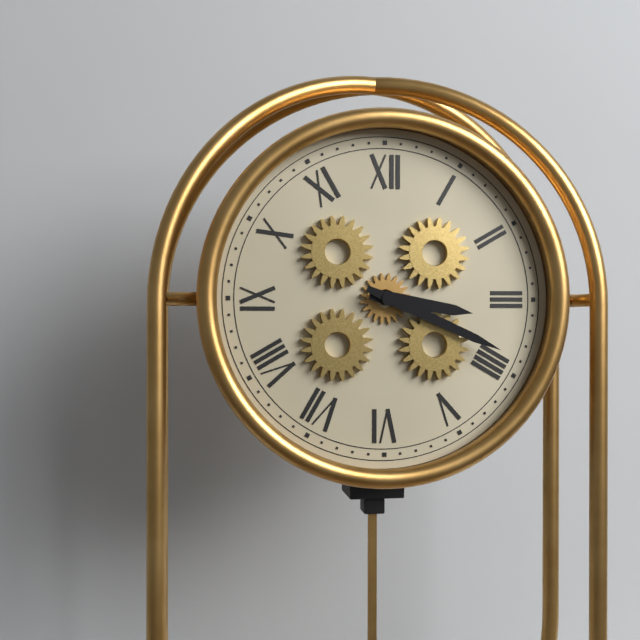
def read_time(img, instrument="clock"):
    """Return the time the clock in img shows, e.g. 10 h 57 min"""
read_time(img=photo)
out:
3 h 19 min
